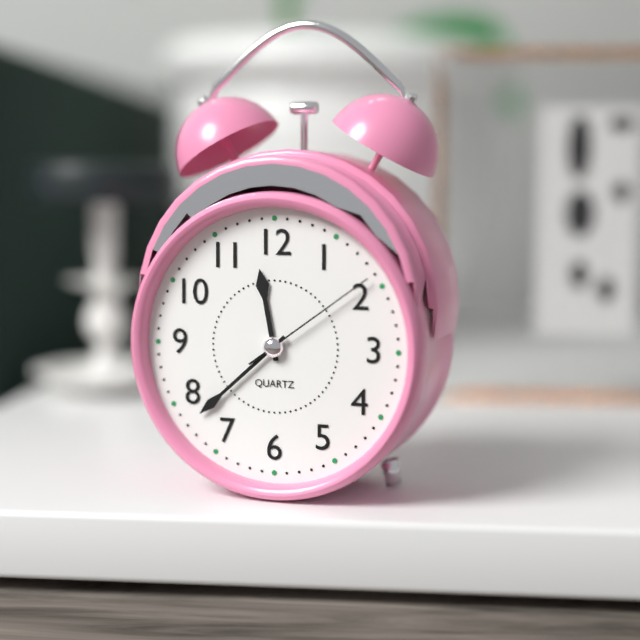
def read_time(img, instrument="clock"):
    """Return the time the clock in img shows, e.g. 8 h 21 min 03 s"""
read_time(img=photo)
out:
11 h 38 min 09 s
